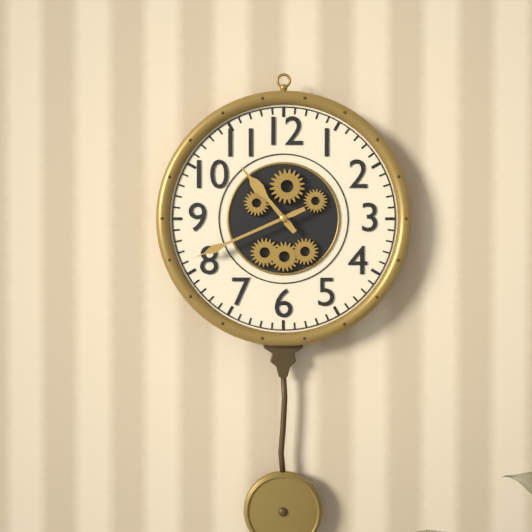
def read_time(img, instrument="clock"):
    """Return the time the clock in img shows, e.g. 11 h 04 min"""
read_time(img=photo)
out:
10 h 41 min
